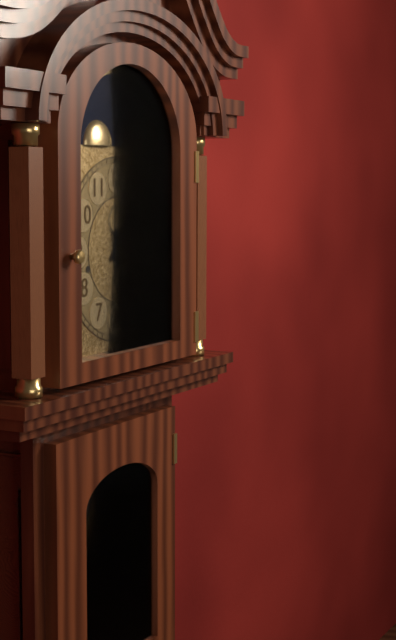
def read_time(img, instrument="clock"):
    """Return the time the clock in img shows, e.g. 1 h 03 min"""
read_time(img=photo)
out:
1 h 28 min
